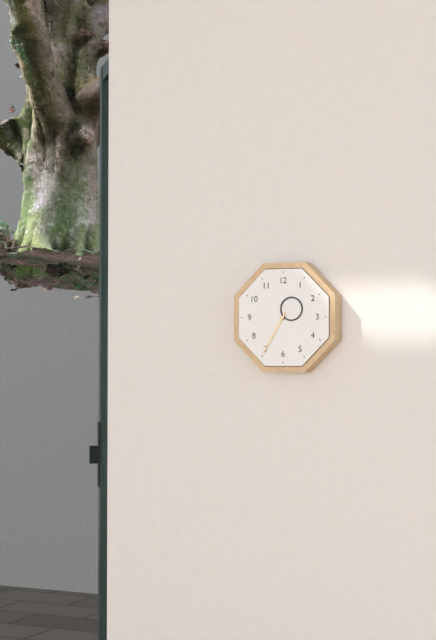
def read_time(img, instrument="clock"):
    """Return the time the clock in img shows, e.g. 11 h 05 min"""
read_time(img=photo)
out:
1 h 35 min
